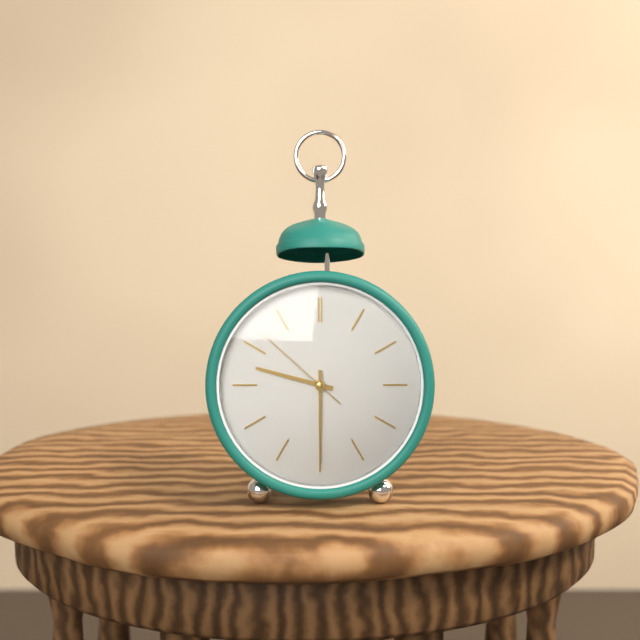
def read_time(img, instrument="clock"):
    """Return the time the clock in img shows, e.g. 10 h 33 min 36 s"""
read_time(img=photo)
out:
9 h 30 min 52 s
